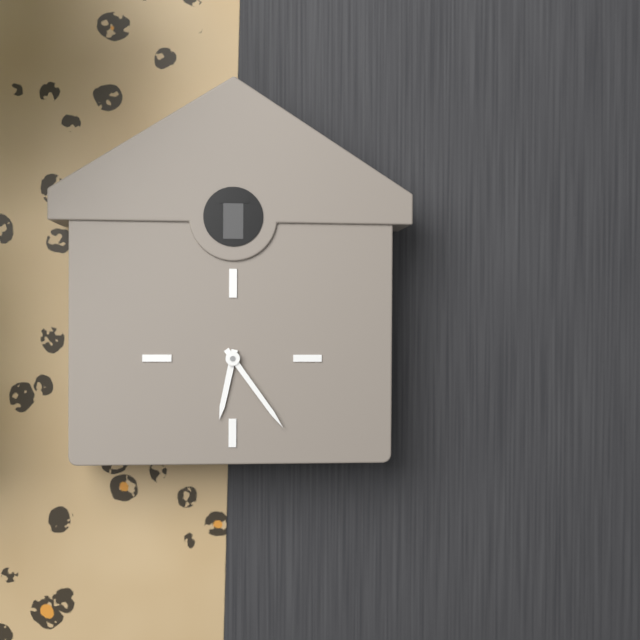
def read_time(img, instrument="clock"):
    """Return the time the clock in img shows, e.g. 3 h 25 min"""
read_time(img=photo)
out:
6 h 24 min
